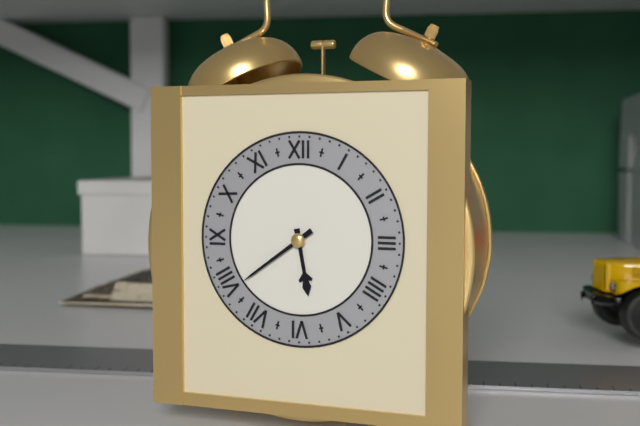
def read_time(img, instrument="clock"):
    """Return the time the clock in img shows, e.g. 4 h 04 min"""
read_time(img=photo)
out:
5 h 39 min
